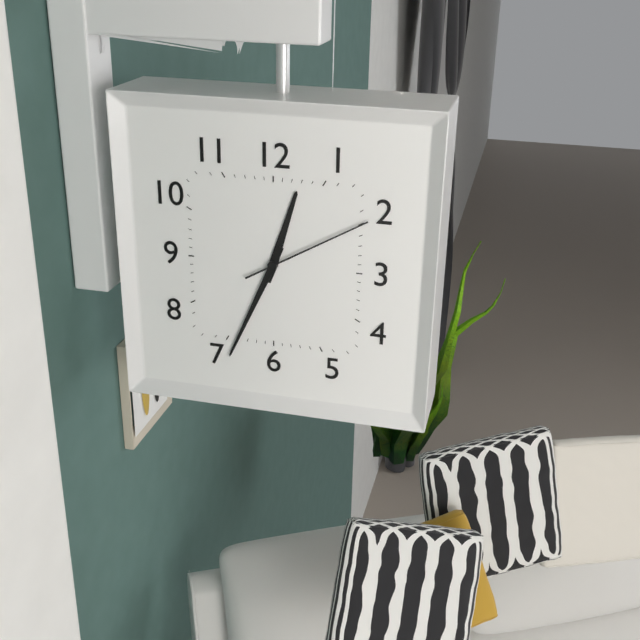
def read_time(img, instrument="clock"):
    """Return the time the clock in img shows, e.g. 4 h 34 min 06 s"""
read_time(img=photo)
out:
12 h 34 min 10 s
